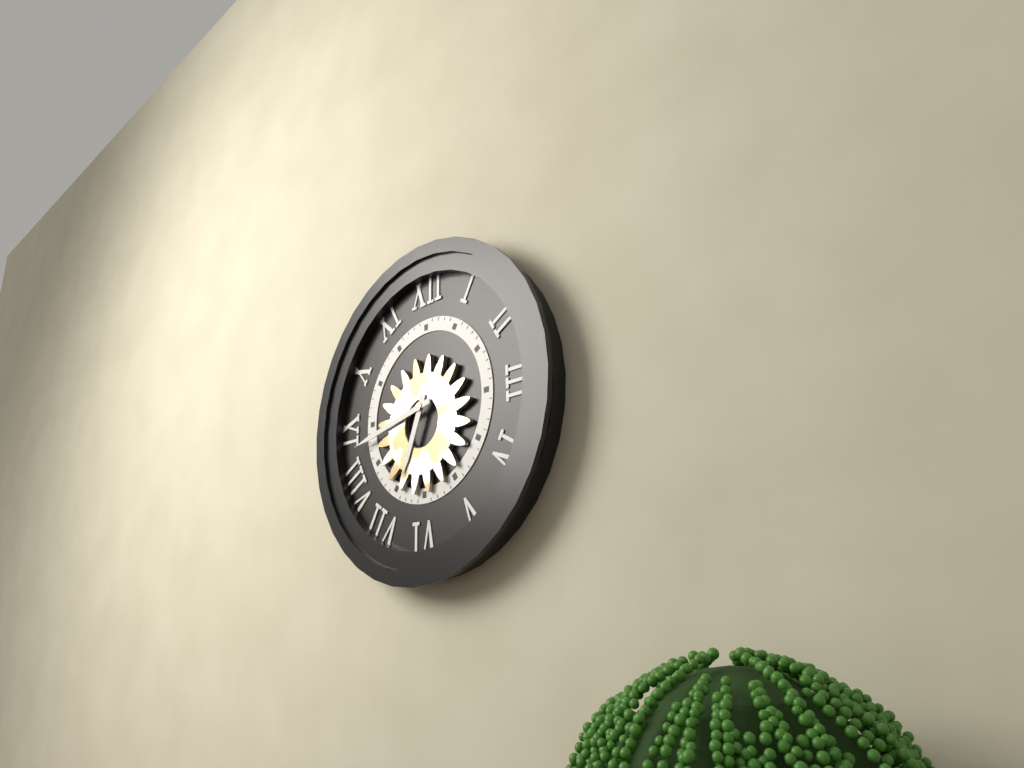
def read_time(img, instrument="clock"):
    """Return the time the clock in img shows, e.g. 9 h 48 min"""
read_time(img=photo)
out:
6 h 43 min
